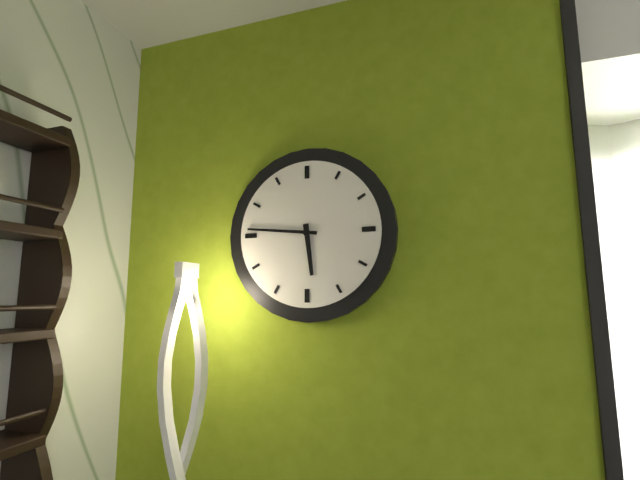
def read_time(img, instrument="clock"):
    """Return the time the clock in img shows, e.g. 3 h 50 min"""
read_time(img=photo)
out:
5 h 46 min
